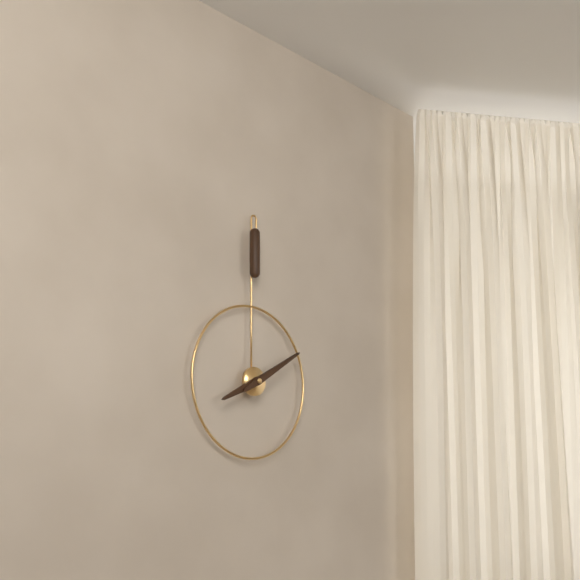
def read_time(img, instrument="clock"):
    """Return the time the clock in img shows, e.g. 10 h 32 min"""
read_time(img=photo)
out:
8 h 10 min
